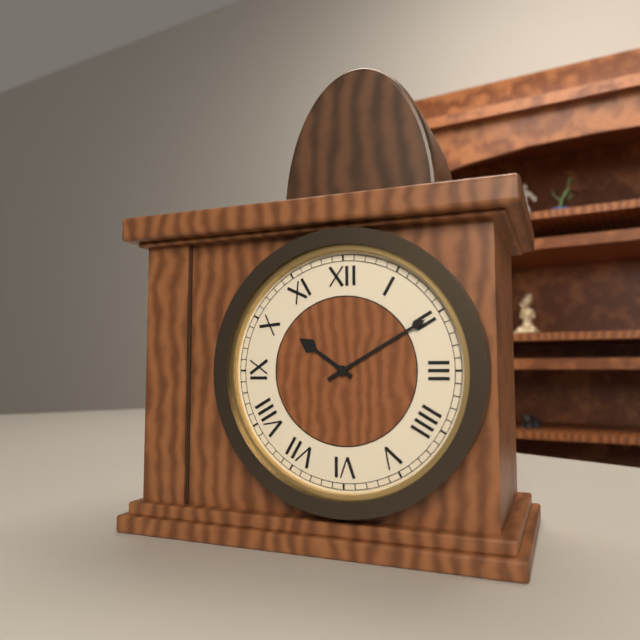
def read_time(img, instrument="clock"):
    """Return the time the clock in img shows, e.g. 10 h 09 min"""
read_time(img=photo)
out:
10 h 10 min
